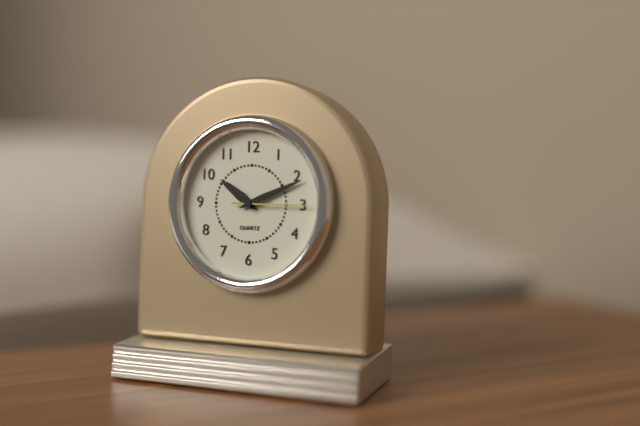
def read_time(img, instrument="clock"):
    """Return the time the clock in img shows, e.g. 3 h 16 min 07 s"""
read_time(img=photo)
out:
10 h 11 min 15 s
